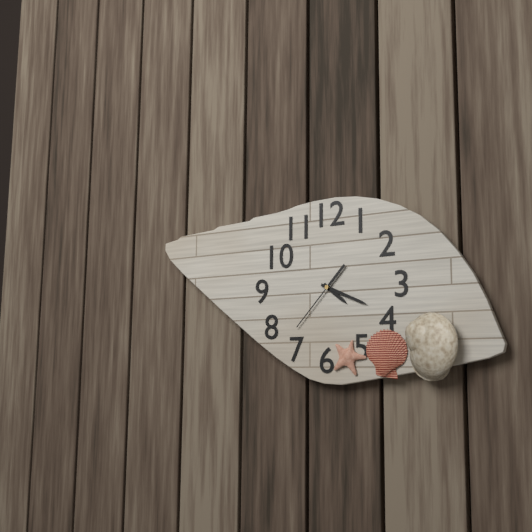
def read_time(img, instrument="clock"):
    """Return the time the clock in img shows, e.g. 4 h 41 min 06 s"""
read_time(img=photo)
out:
4 h 19 min 37 s
